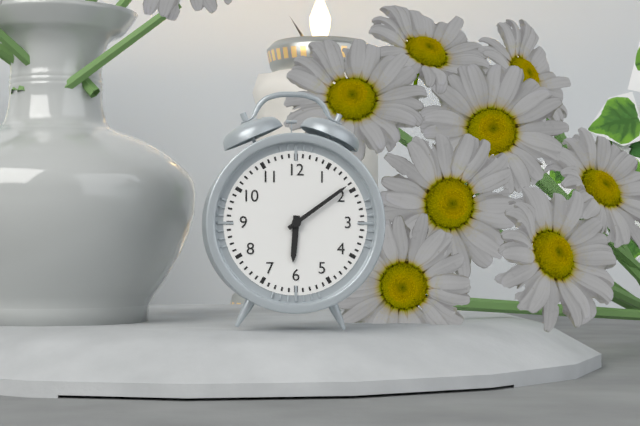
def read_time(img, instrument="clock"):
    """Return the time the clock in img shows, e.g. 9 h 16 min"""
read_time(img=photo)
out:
6 h 09 min
